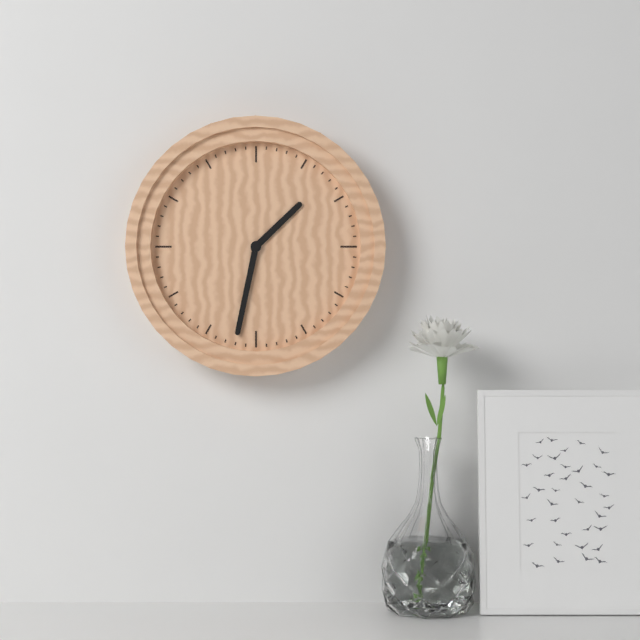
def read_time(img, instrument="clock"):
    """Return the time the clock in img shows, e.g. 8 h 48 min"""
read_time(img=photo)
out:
1 h 32 min
